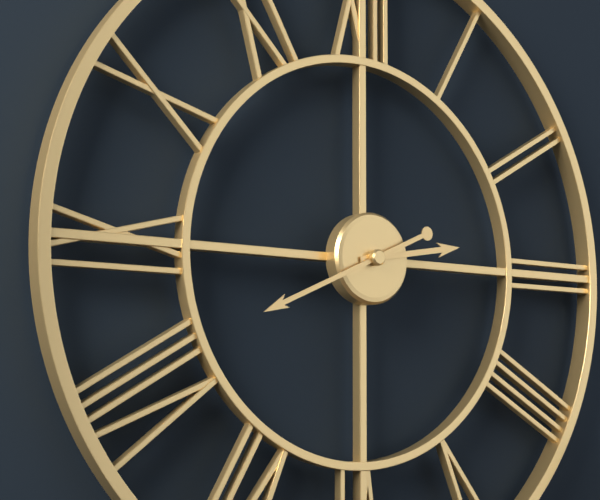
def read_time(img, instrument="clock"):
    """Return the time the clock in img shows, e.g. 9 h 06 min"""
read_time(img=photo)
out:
2 h 41 min
